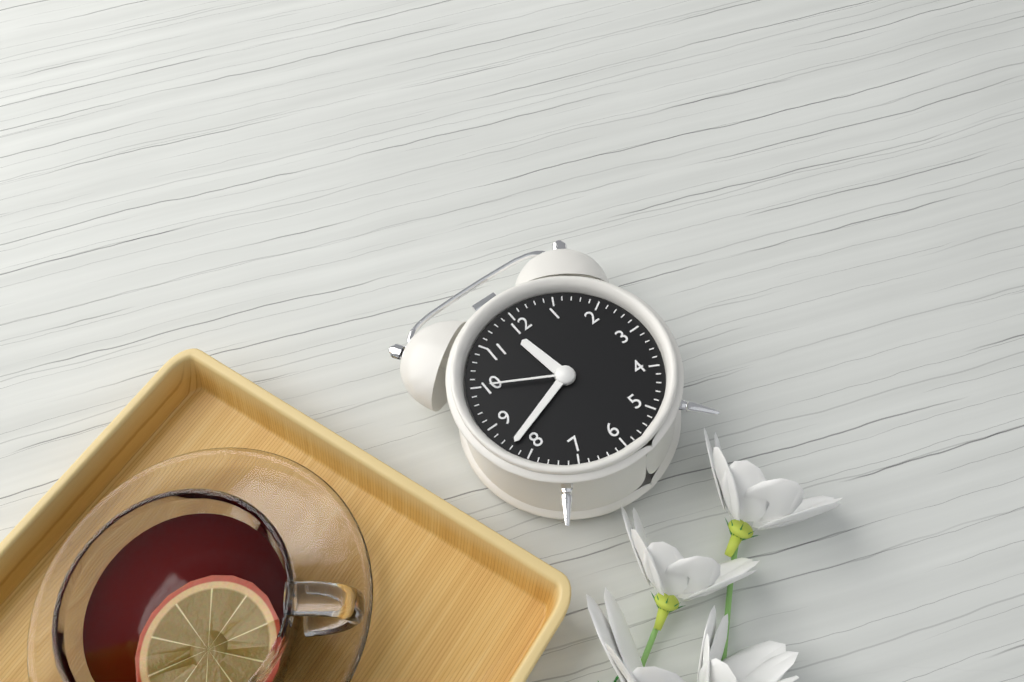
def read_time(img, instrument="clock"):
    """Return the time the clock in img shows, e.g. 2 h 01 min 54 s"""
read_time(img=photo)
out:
11 h 42 min 50 s
